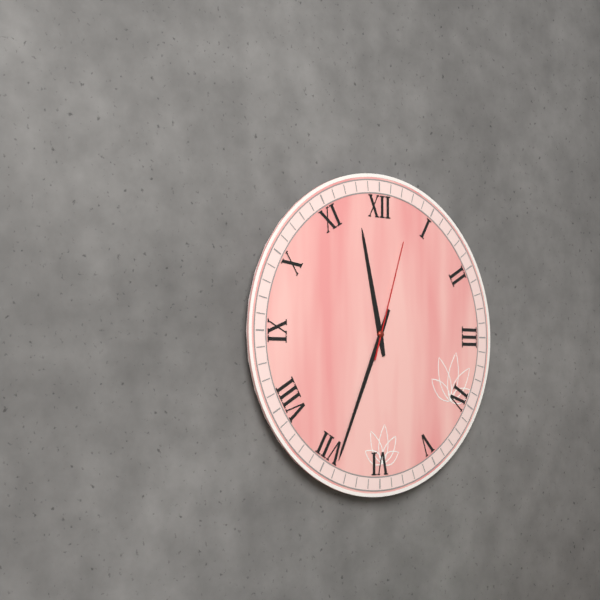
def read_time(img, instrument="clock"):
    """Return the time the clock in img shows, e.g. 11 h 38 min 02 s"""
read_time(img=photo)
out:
11 h 34 min 03 s
